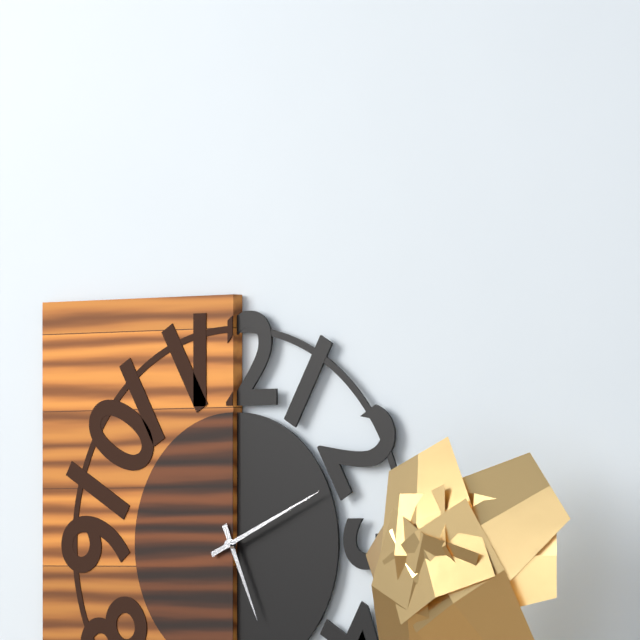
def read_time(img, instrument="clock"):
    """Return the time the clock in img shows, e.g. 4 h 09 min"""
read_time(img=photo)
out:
5 h 11 min
